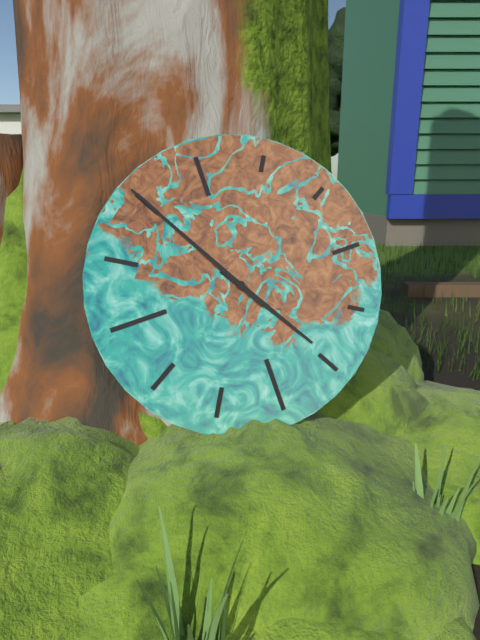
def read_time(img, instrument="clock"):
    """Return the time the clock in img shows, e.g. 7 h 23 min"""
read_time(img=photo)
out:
4 h 55 min
